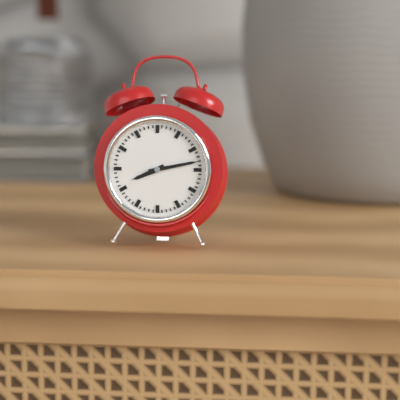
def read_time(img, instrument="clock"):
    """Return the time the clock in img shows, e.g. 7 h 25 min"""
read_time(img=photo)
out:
8 h 13 min
